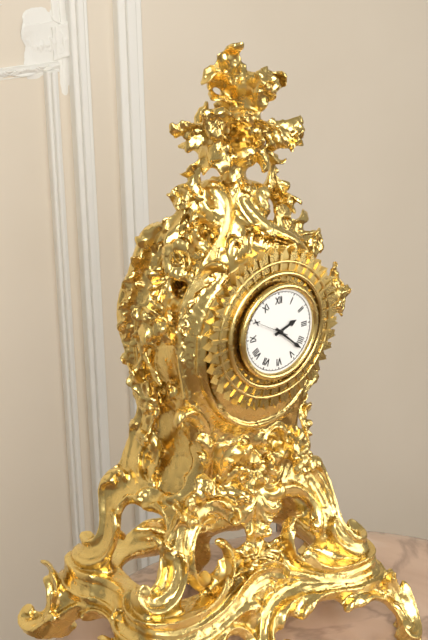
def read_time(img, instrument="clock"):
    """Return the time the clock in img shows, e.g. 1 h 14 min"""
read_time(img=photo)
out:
2 h 22 min
